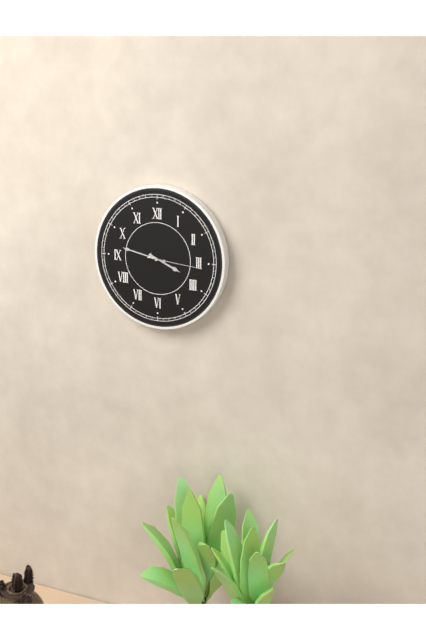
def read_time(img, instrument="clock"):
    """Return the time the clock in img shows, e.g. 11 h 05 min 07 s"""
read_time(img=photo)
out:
3 h 47 min 16 s
